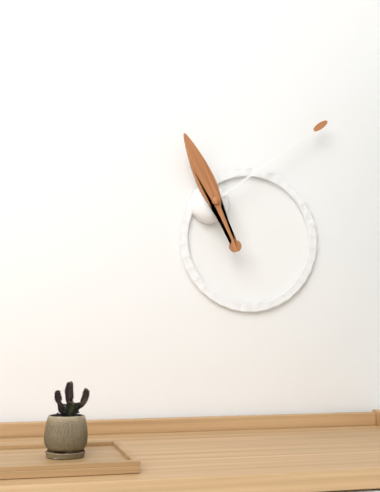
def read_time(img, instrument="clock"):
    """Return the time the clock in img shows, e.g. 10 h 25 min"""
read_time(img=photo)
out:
11 h 09 min
